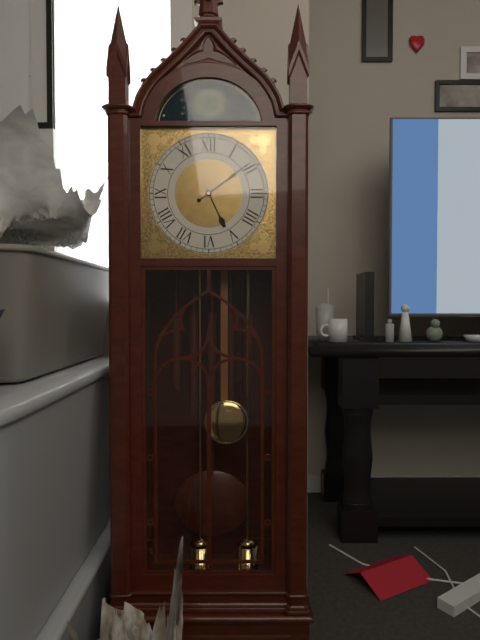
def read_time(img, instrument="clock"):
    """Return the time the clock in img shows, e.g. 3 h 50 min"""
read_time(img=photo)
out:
5 h 09 min
